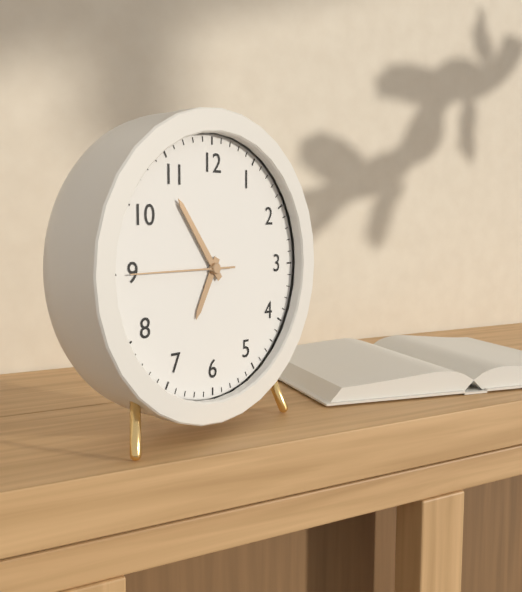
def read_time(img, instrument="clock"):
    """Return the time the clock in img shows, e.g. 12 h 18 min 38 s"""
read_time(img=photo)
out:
6 h 54 min 45 s
